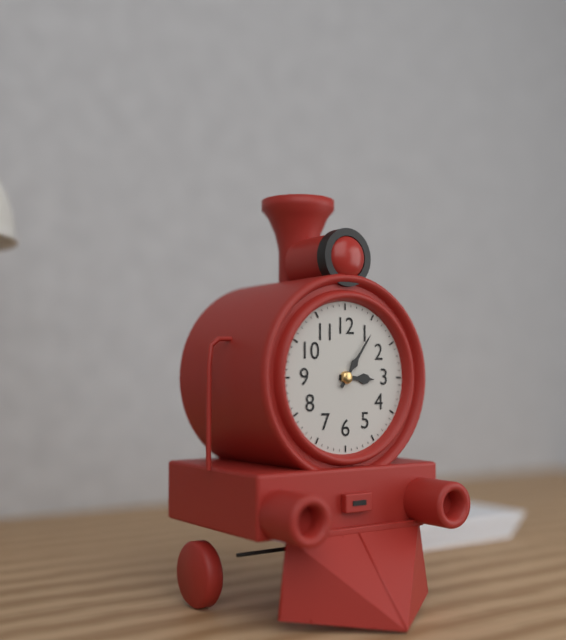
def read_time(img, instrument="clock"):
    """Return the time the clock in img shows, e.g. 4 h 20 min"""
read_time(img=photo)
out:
3 h 06 min
